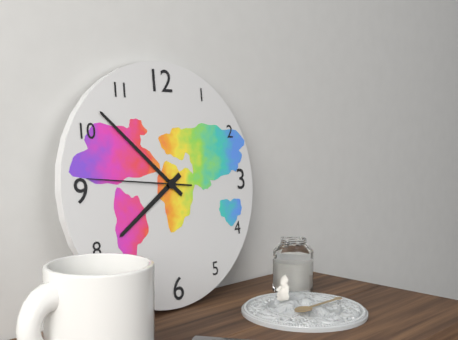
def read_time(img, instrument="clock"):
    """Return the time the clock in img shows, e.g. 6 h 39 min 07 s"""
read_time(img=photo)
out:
7 h 52 min 46 s
